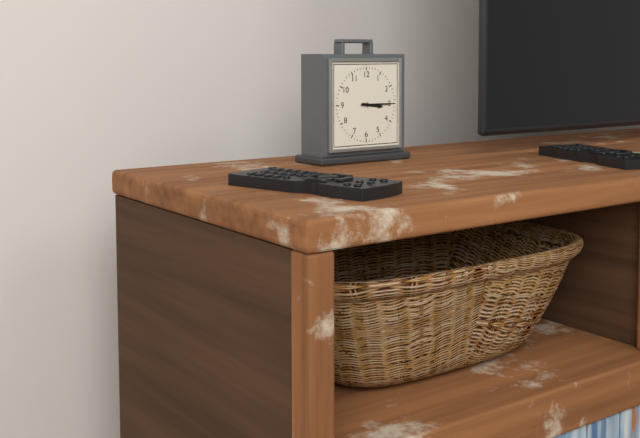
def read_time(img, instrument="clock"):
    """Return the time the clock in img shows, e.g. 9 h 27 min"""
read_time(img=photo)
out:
3 h 15 min
